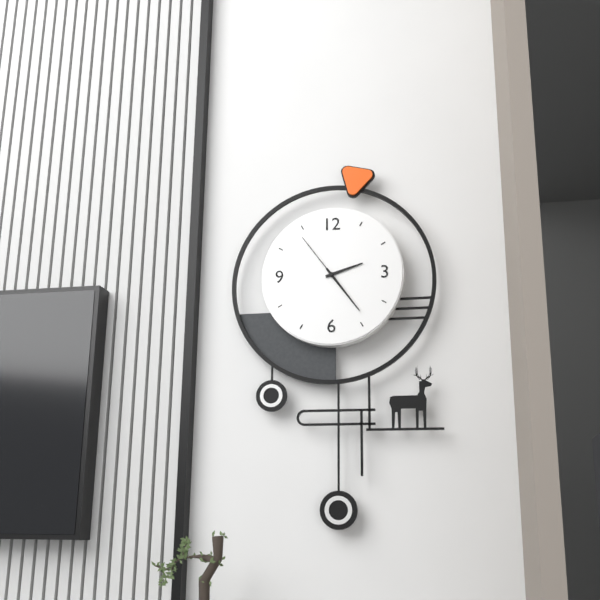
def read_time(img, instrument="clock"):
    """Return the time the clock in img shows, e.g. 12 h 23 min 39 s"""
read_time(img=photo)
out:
2 h 24 min 54 s
